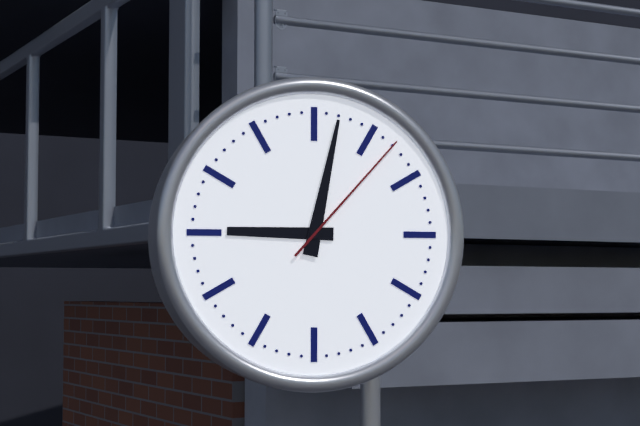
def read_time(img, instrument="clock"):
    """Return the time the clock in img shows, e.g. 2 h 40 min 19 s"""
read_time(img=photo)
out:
9 h 02 min 07 s
